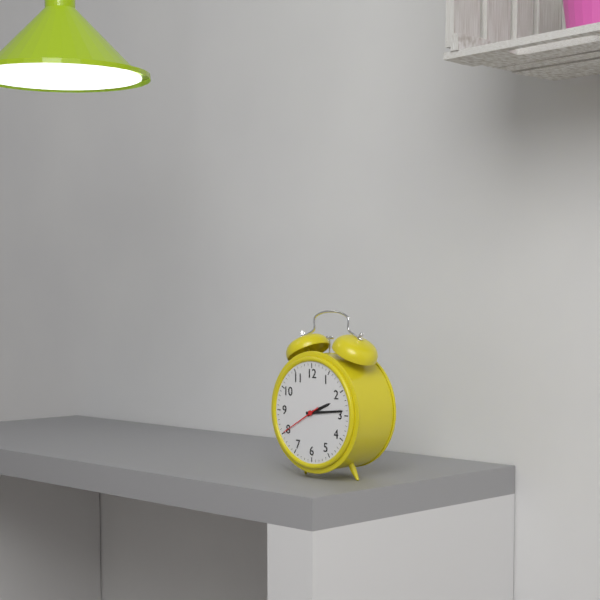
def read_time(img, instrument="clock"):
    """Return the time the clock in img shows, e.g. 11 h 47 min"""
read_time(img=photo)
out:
2 h 14 min
